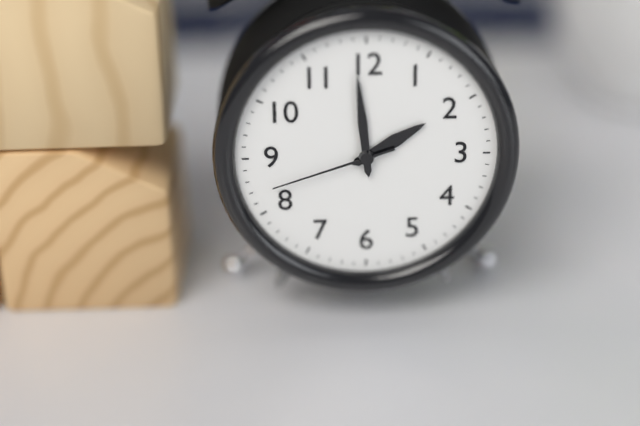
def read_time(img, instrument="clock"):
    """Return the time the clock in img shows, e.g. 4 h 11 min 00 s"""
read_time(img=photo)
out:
1 h 59 min 42 s
